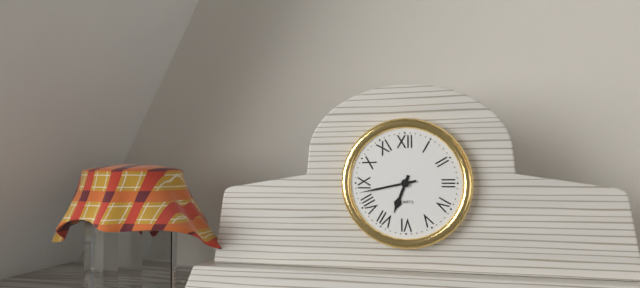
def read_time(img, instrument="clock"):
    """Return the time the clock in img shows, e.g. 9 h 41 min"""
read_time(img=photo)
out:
6 h 43 min
